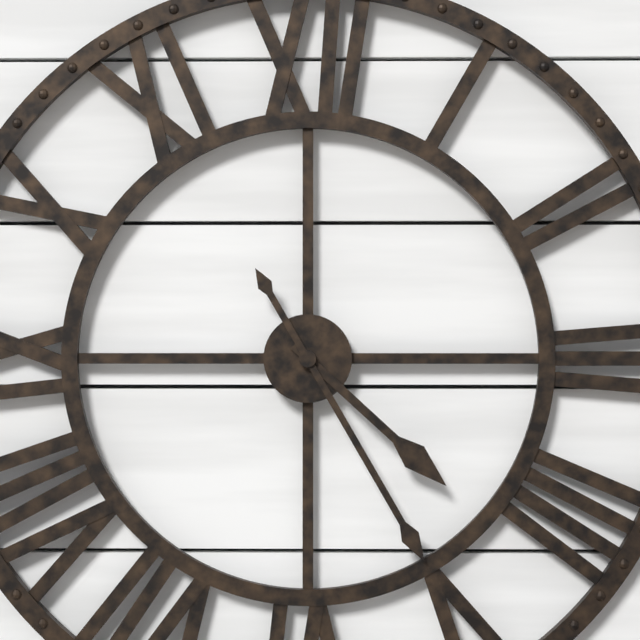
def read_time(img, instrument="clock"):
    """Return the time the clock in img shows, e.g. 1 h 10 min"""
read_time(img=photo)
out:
4 h 25 min
